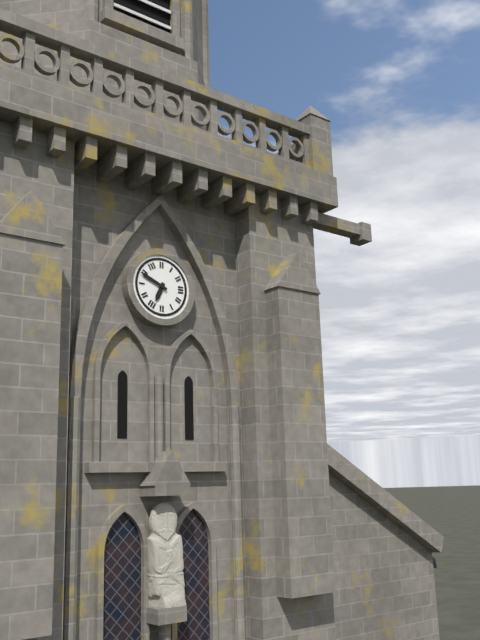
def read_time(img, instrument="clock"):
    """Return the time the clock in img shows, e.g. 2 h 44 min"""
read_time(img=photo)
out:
6 h 49 min
